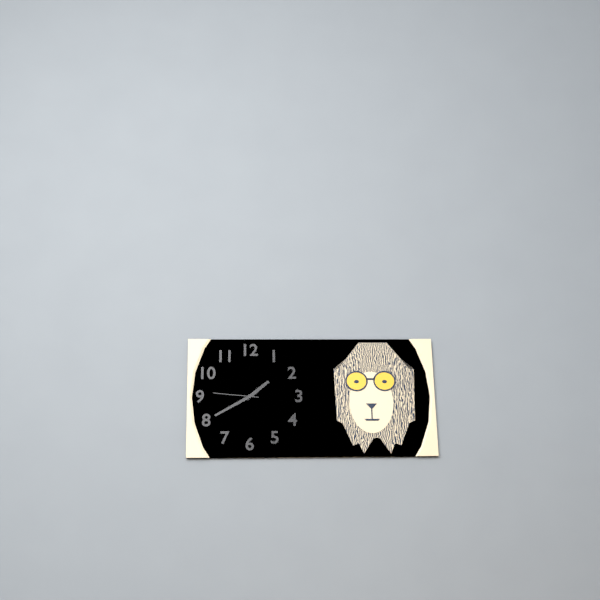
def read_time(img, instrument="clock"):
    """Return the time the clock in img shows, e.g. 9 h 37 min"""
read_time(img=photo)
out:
1 h 40 min
